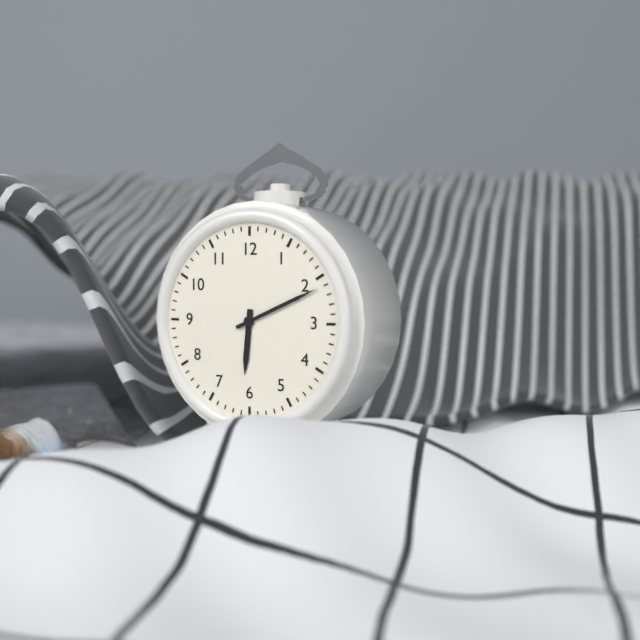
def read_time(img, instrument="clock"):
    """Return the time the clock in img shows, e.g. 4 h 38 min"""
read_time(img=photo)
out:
6 h 11 min
